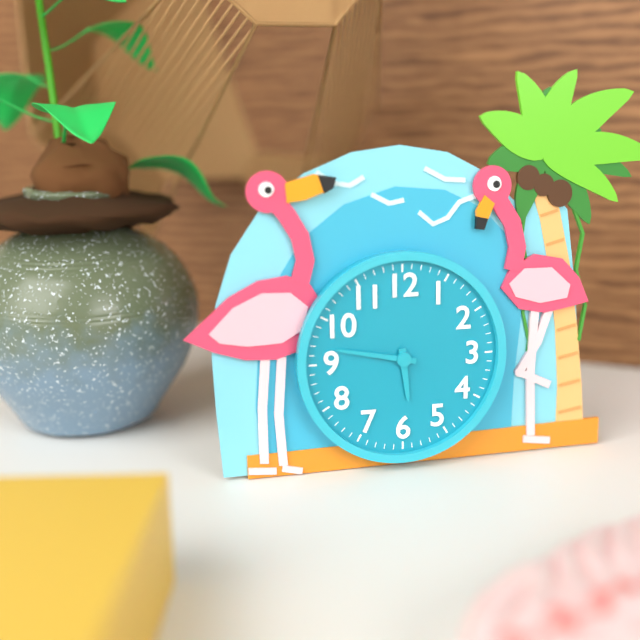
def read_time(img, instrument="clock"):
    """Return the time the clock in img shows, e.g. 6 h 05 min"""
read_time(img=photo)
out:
5 h 47 min
